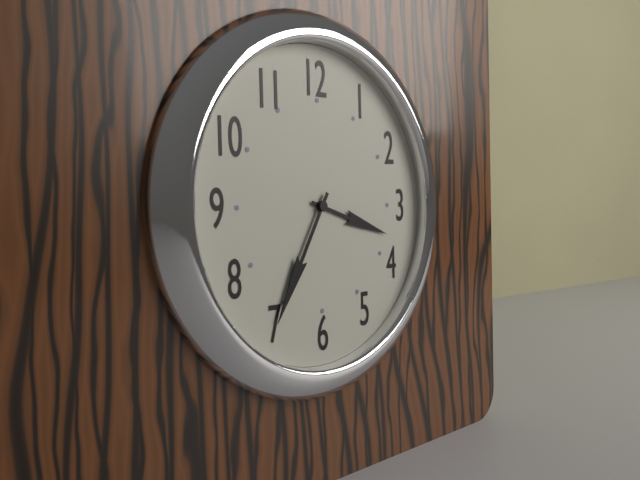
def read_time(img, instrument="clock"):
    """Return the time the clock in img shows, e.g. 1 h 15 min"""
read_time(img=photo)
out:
3 h 35 min
